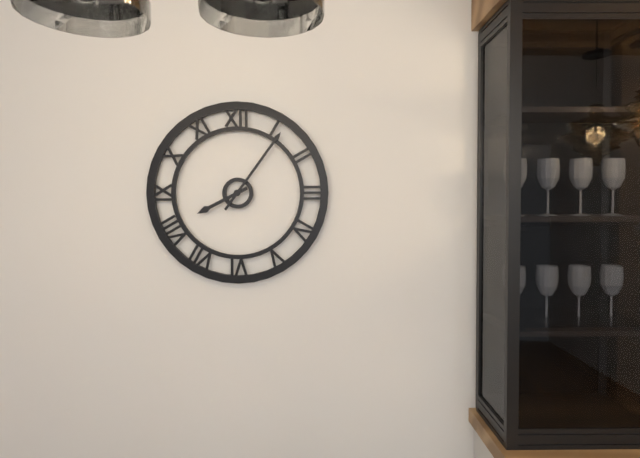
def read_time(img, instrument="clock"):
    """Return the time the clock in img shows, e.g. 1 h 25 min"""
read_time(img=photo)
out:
8 h 06 min
